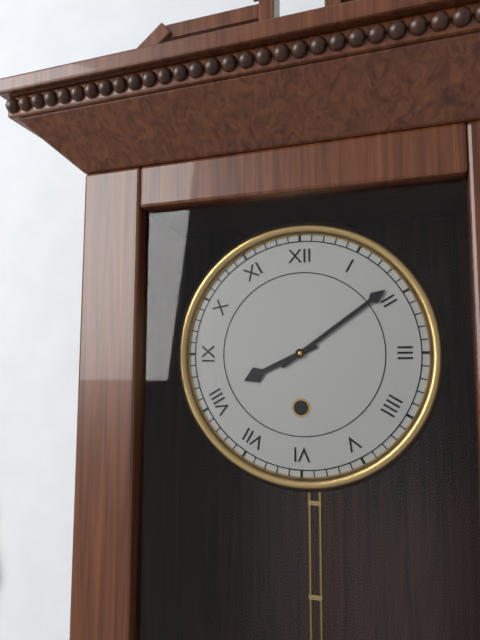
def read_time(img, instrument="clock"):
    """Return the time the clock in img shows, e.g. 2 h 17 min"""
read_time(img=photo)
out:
8 h 09 min
